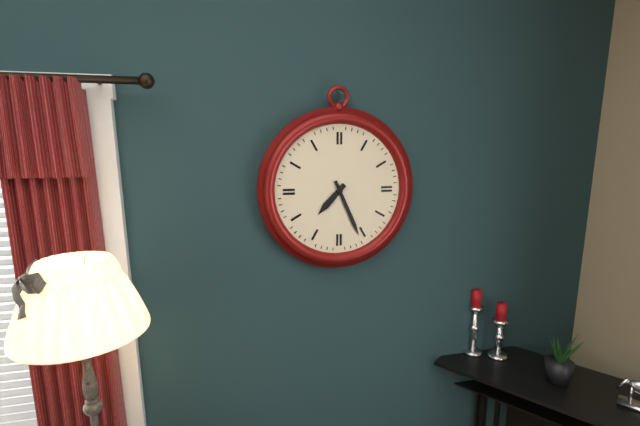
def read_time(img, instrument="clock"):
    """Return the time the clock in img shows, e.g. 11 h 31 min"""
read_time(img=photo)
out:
7 h 26 min
